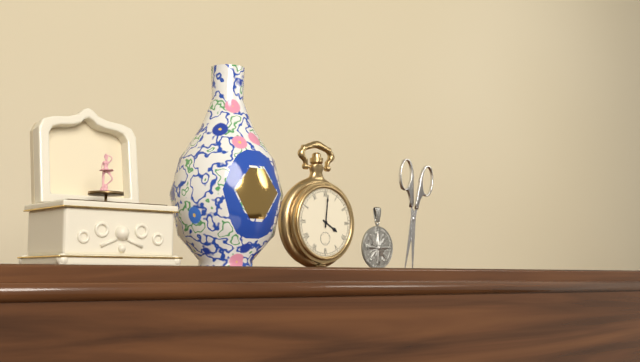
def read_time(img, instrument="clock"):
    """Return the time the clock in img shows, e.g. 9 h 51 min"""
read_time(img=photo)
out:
4 h 01 min
